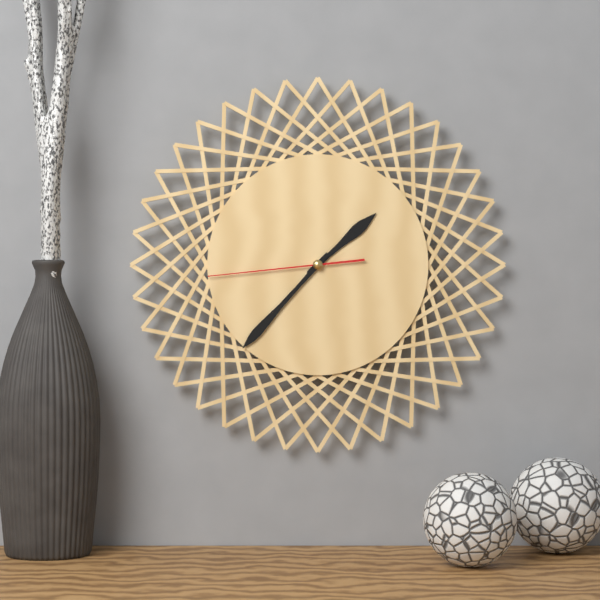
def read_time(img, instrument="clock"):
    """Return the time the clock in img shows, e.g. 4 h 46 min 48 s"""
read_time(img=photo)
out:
1 h 37 min 44 s
